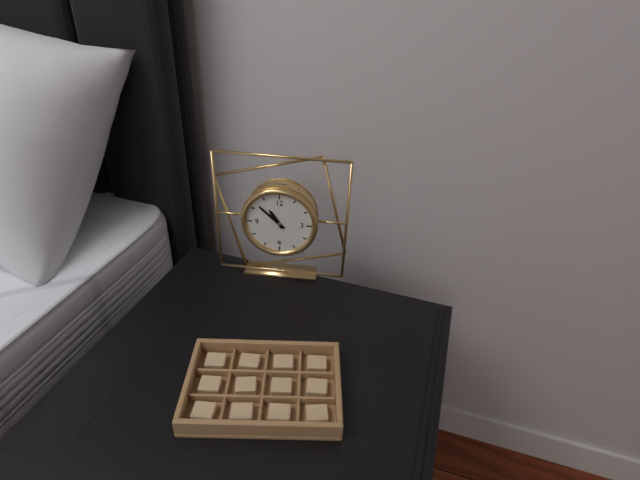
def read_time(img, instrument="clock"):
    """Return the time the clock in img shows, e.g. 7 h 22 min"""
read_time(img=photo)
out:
10 h 52 min
